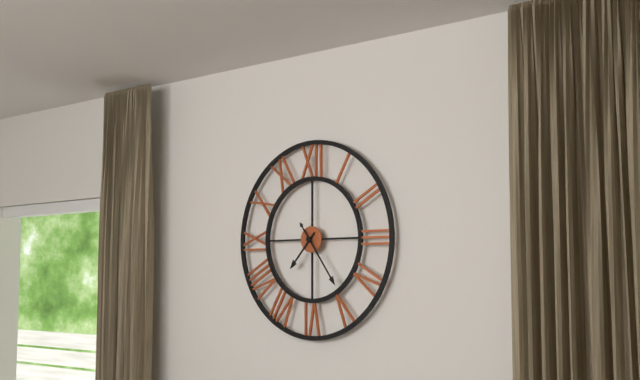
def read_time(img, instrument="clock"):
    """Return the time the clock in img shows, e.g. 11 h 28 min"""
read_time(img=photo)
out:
7 h 24 min
